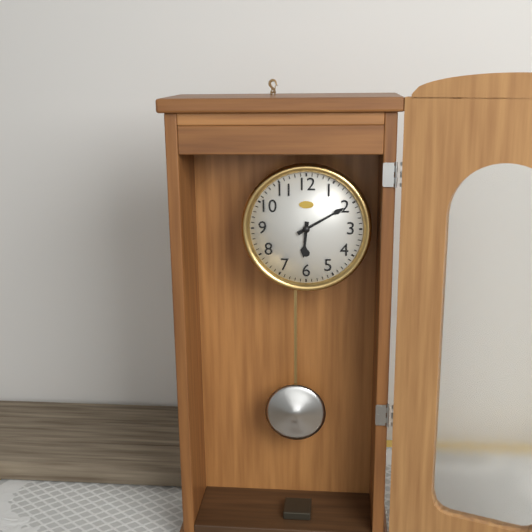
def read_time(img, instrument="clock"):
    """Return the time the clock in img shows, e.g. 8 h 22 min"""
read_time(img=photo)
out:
6 h 10 min
